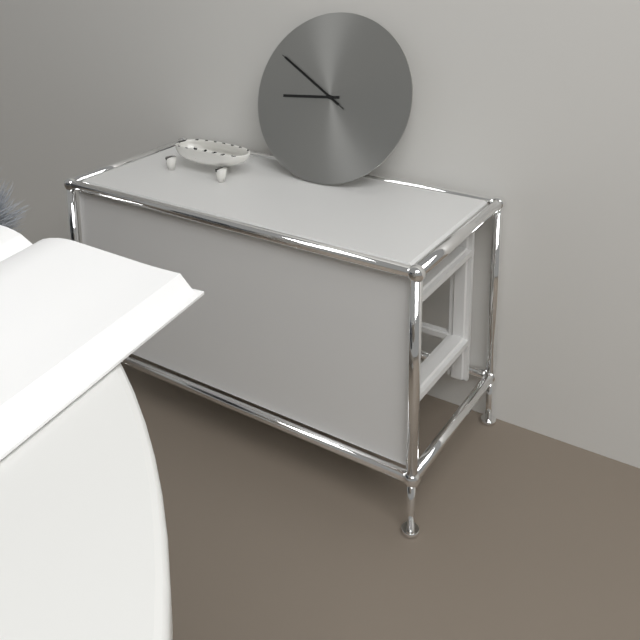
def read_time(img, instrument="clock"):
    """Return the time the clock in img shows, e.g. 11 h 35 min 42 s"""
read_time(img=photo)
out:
8 h 50 min 50 s
